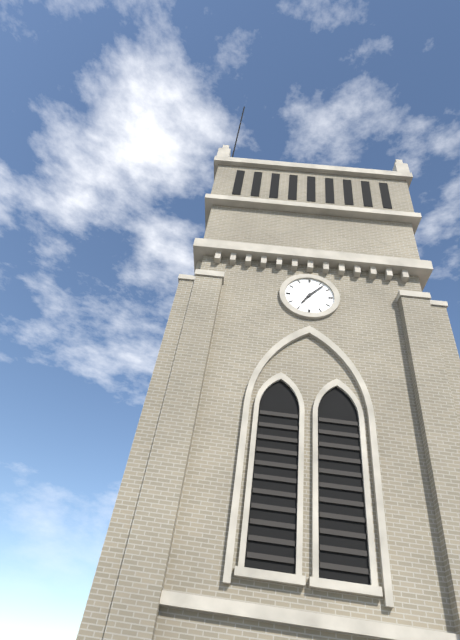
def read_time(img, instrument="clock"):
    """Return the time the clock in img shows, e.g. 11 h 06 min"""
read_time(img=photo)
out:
7 h 07 min
